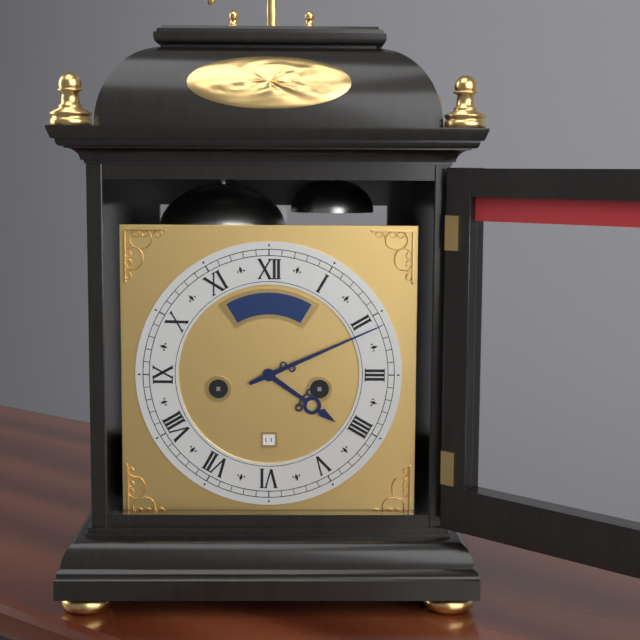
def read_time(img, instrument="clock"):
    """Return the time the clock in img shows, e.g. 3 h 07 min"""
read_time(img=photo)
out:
4 h 11 min
